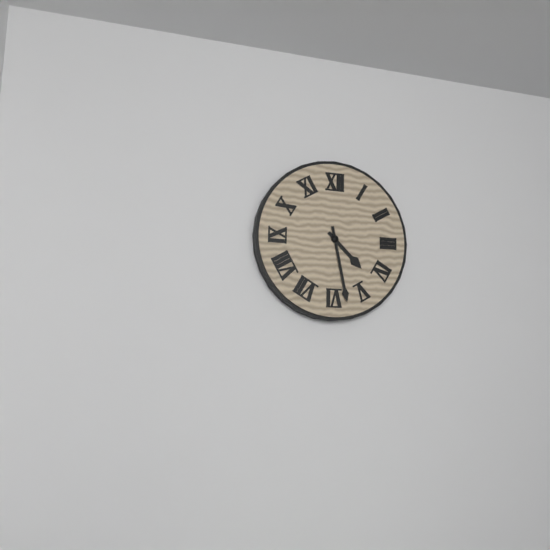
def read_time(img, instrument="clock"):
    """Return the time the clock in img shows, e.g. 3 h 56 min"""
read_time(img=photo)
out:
4 h 28 min
